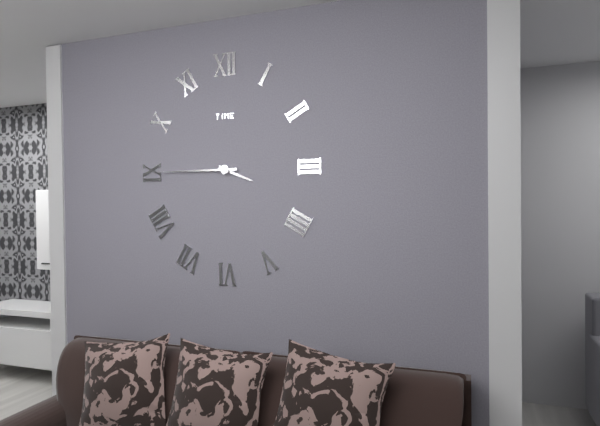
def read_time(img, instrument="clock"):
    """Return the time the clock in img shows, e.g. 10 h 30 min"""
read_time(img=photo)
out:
3 h 45 min
